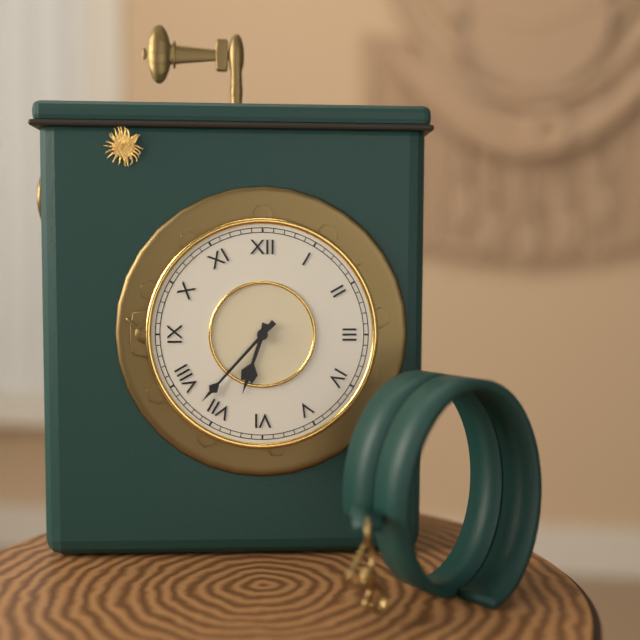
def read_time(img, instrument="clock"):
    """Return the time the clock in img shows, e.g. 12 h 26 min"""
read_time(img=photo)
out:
6 h 37 min
